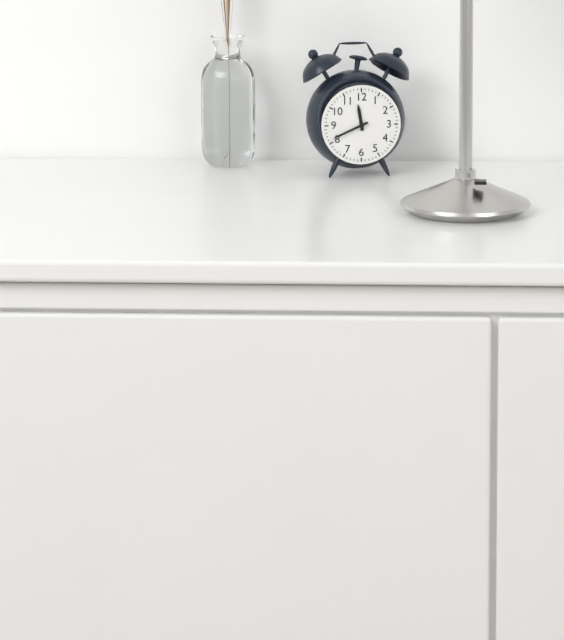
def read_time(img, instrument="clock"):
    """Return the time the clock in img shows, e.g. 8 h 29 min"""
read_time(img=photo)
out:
11 h 41 min
